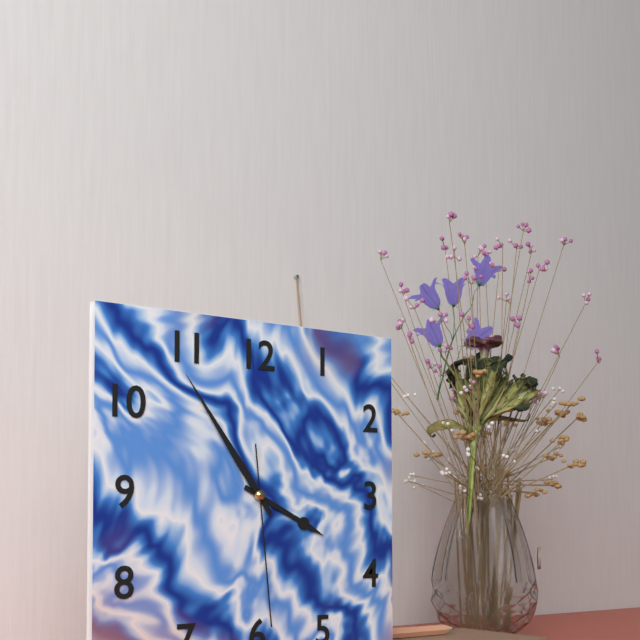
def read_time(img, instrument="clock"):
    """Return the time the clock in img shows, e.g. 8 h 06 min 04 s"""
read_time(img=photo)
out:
3 h 54 min 29 s
